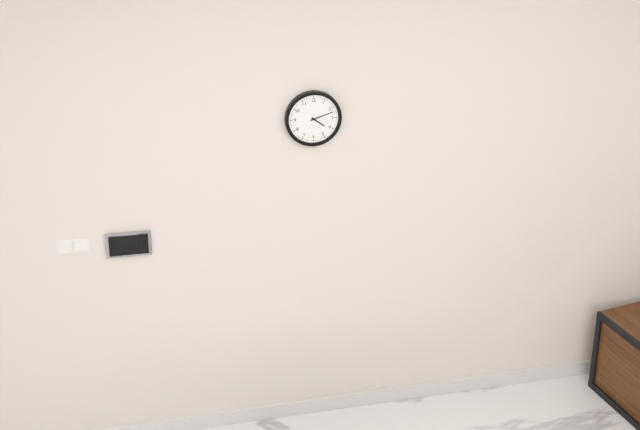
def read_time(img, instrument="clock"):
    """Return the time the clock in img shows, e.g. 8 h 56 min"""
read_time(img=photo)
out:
4 h 12 min
